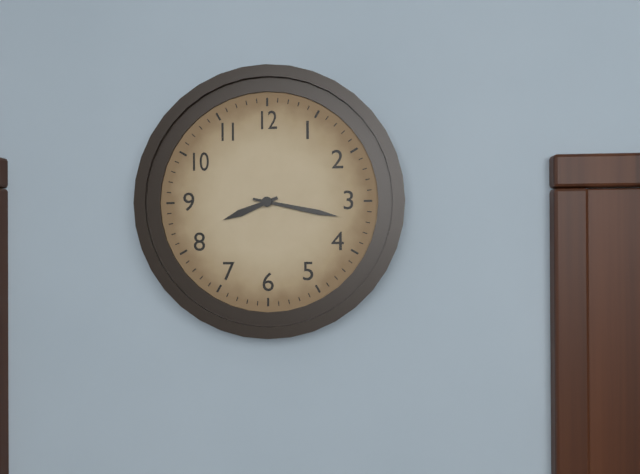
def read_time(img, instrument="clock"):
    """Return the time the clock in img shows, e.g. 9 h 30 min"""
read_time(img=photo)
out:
8 h 17 min
